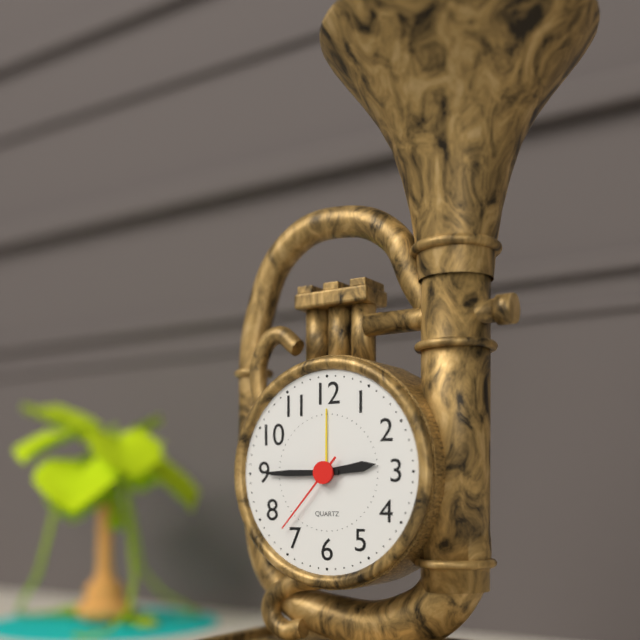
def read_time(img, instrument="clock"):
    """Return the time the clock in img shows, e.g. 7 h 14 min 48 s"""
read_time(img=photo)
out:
2 h 45 min 37 s
